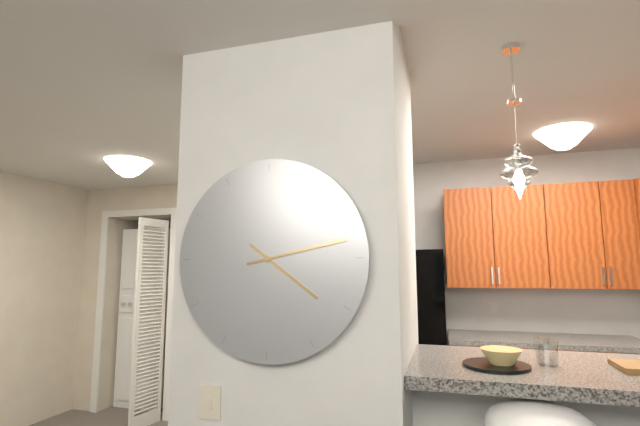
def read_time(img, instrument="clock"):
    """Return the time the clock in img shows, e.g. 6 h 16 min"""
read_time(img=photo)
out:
4 h 13 min
